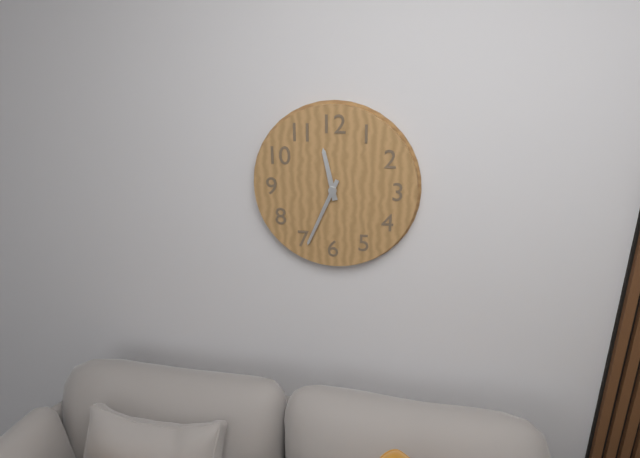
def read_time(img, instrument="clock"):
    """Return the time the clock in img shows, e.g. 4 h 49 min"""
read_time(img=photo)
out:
11 h 34 min
